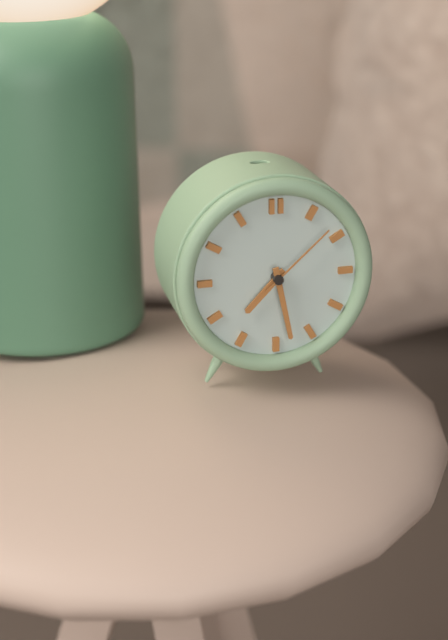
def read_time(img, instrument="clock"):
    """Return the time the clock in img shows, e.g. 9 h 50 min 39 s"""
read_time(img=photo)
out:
7 h 28 min 08 s
